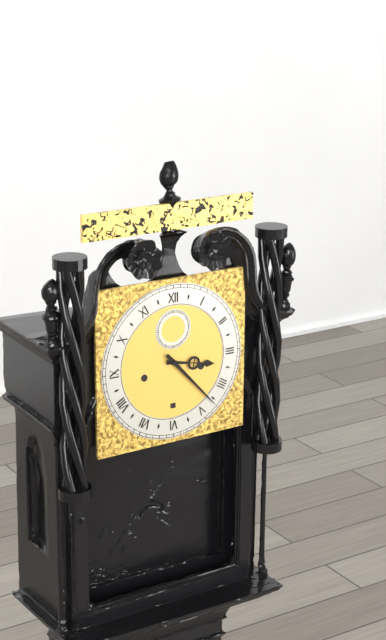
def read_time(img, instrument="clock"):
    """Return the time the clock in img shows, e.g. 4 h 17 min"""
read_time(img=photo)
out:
3 h 23 min
